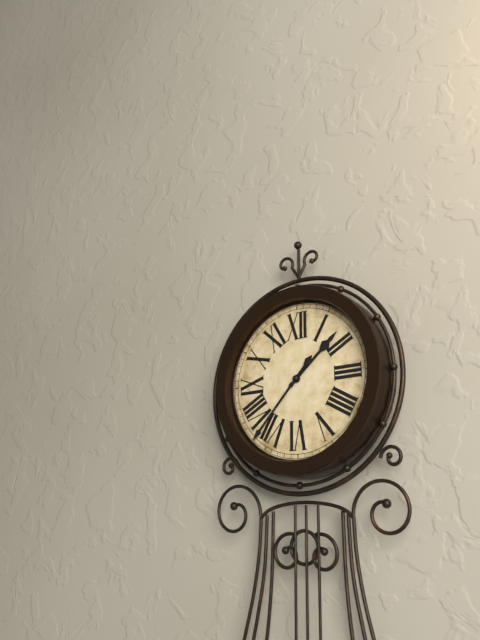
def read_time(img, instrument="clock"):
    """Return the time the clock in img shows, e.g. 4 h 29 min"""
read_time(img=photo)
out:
1 h 37 min
